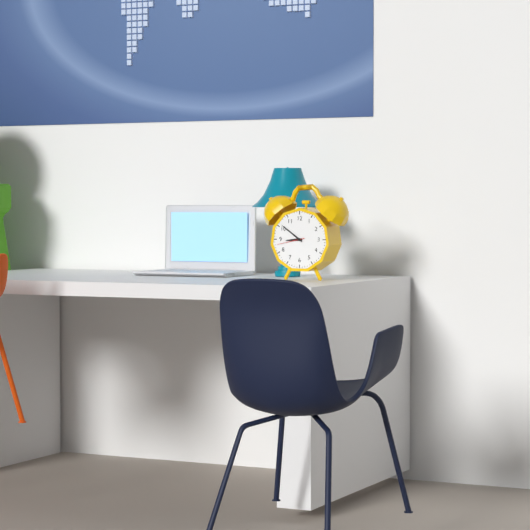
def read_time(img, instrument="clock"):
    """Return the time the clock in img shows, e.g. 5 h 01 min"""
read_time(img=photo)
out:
8 h 51 min
